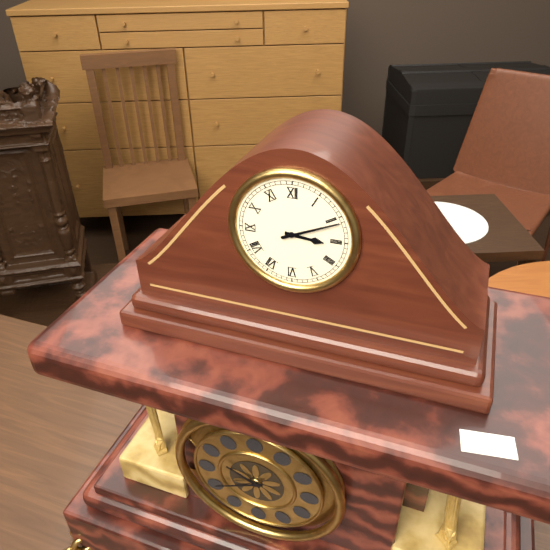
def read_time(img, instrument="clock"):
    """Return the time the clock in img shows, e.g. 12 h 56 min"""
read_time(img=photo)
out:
3 h 11 min
